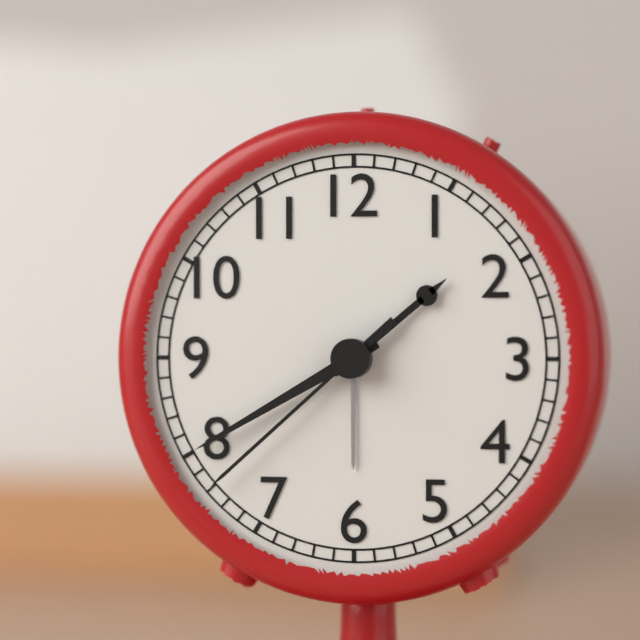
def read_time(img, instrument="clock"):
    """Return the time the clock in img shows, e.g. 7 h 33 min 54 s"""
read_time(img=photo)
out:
1 h 40 min 38 s
